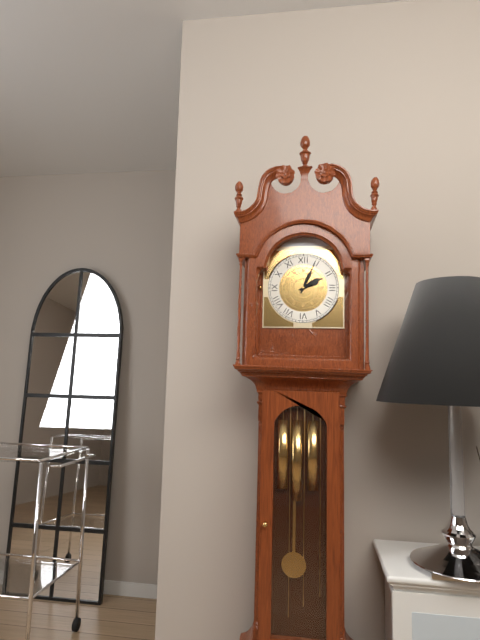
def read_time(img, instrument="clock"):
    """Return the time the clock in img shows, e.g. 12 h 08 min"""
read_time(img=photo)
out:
2 h 04 min
